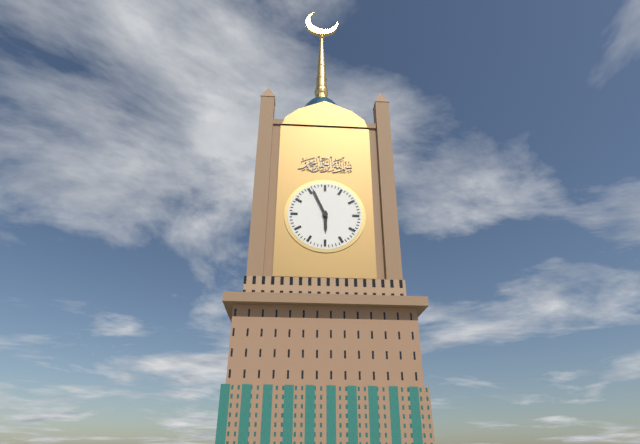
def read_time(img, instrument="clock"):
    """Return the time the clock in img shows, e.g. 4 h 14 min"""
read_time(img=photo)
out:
5 h 56 min
